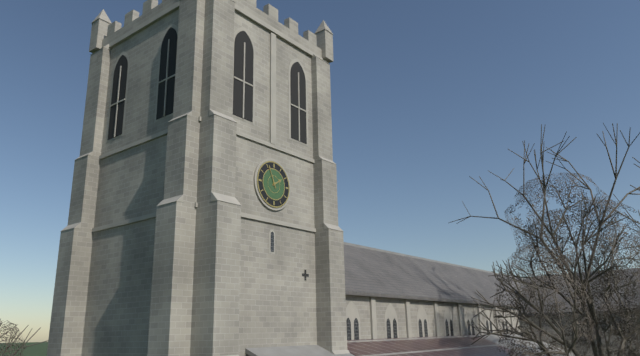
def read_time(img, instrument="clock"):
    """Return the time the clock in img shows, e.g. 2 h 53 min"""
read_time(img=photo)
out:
1 h 56 min
